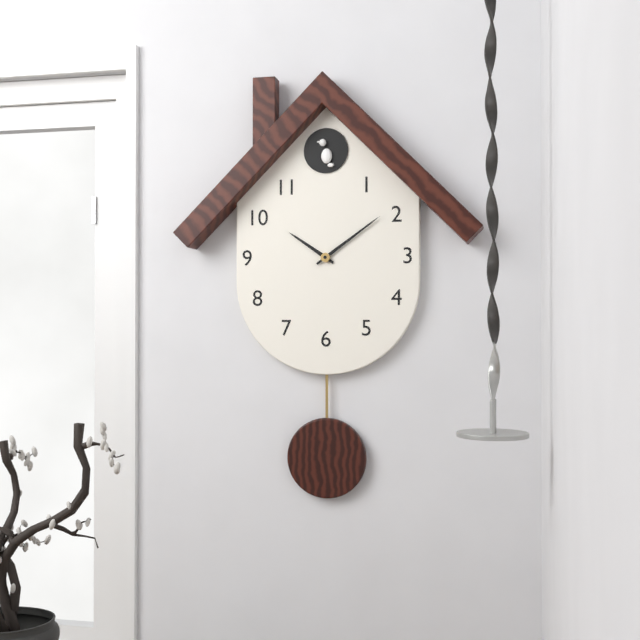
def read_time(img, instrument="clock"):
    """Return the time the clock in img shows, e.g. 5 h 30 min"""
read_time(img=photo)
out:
10 h 09 min
